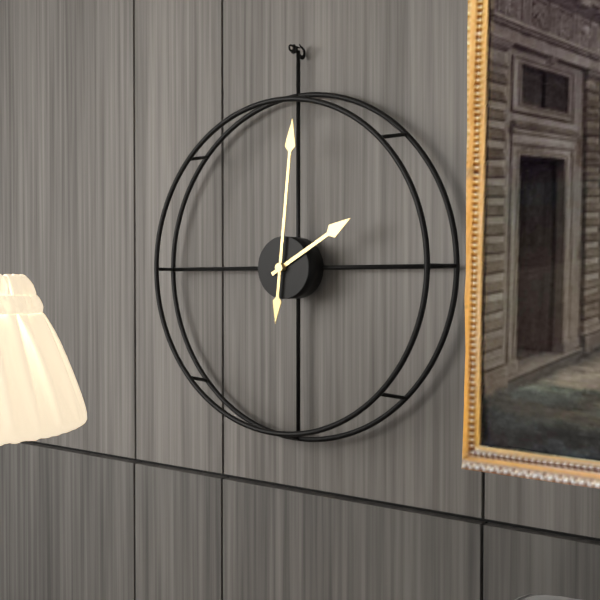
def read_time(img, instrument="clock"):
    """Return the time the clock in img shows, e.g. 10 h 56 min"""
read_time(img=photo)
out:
2 h 01 min
